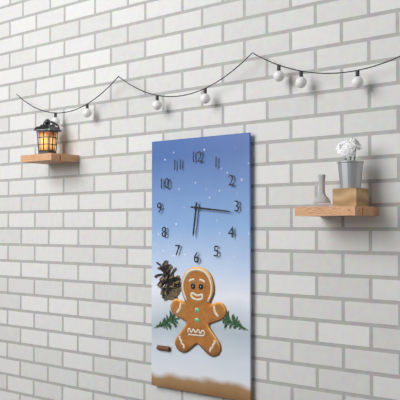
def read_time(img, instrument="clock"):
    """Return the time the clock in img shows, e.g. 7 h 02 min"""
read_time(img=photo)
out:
6 h 16 min
